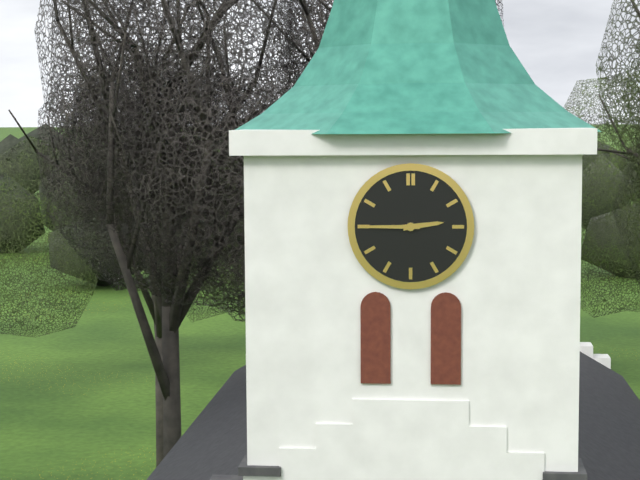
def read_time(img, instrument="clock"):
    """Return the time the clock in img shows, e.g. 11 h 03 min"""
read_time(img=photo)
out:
2 h 45 min
